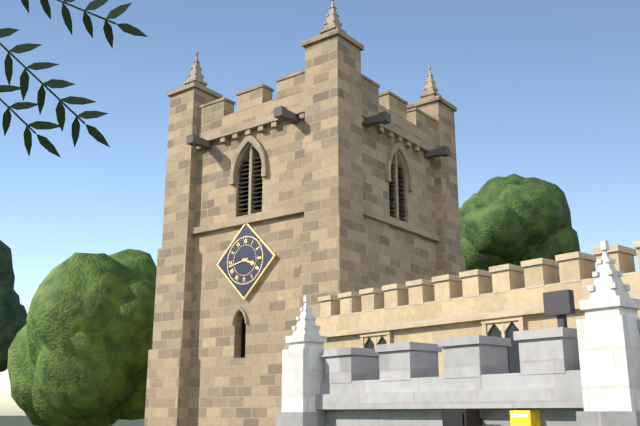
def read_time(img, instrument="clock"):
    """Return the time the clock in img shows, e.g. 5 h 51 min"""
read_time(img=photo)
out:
3 h 43 min
